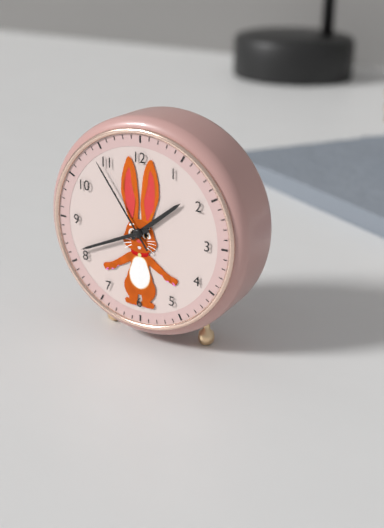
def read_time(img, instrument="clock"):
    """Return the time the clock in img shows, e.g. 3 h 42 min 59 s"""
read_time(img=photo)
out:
1 h 41 min 54 s
